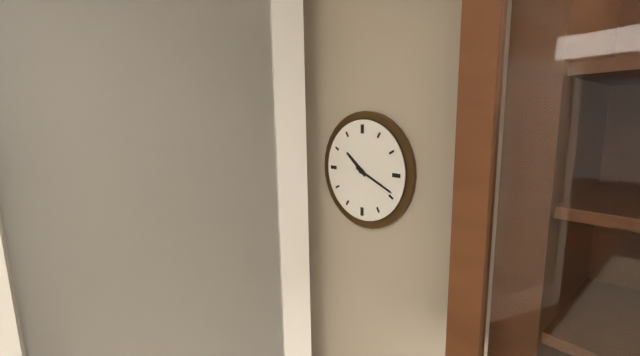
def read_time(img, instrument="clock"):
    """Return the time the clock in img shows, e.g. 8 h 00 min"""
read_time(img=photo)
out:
10 h 19 min
